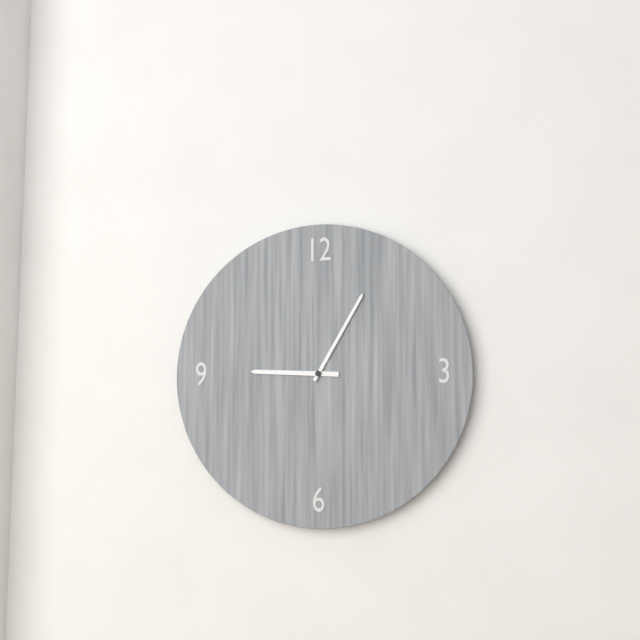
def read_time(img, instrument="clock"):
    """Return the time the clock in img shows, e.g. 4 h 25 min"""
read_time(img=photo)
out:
9 h 05 min
